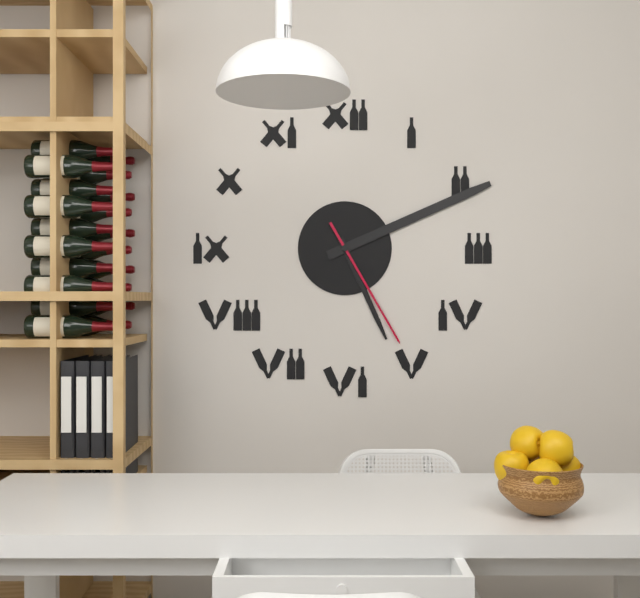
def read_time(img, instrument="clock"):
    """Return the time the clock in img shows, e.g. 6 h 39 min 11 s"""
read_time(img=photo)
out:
5 h 11 min 25 s
